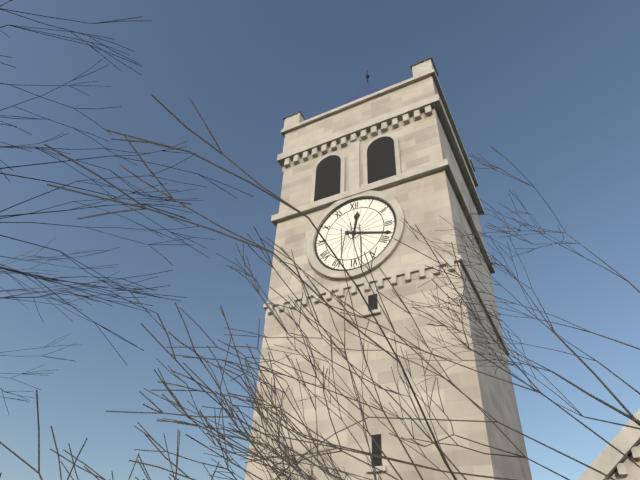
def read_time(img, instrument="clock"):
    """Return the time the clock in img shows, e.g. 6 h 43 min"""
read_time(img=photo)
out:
12 h 18 min
